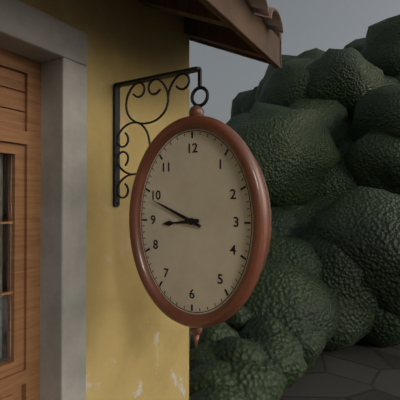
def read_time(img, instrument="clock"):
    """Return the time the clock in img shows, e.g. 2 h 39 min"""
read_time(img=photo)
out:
8 h 49 min
